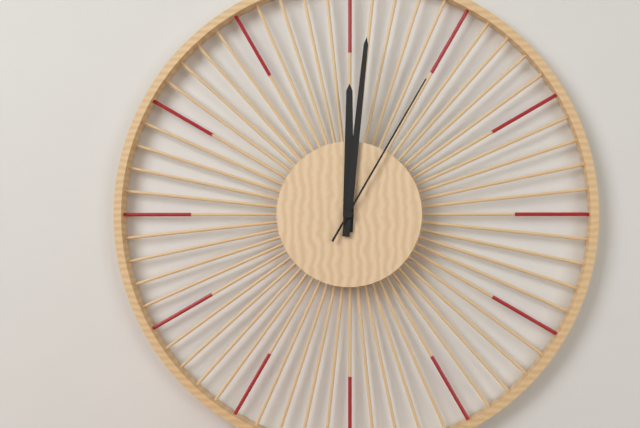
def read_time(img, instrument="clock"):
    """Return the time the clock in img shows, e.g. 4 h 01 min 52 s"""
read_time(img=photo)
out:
12 h 01 min 05 s
